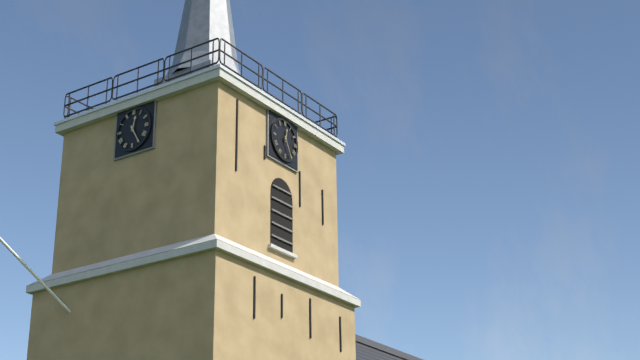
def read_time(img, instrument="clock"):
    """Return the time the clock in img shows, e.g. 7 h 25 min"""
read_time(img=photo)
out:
12 h 25 min
